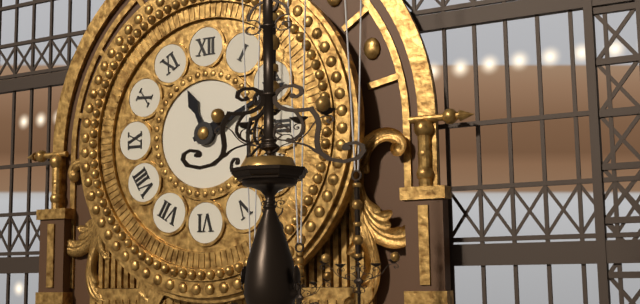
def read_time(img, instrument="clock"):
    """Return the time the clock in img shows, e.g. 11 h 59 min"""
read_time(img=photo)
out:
11 h 11 min
